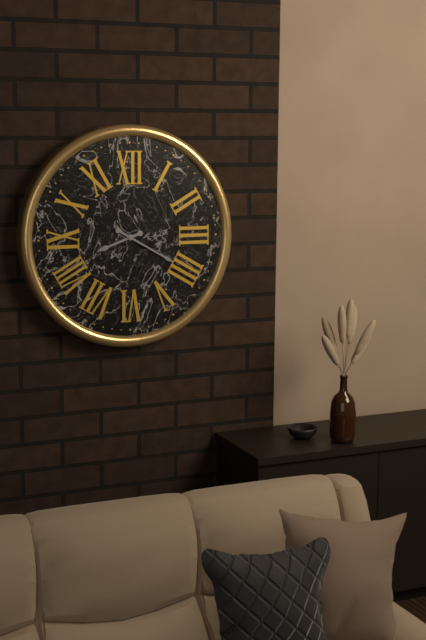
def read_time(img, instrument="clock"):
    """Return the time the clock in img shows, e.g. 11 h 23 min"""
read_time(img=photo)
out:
8 h 20 min
